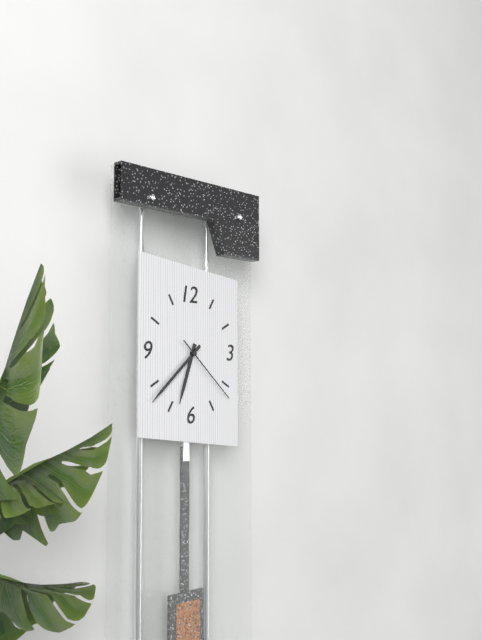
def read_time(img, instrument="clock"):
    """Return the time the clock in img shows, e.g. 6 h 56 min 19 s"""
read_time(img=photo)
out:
6 h 38 min 22 s
